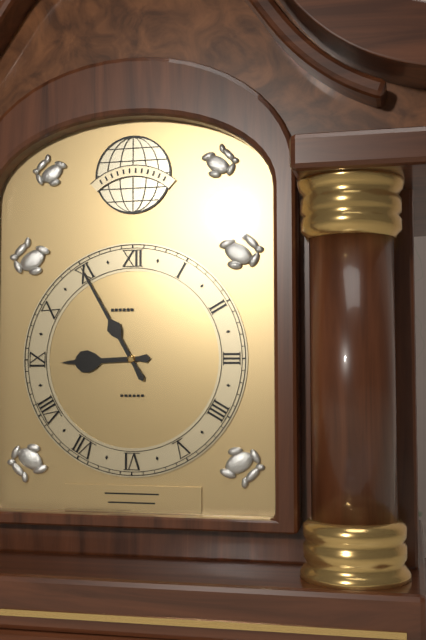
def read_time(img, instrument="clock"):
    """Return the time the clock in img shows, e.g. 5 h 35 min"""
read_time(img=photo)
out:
8 h 55 min
